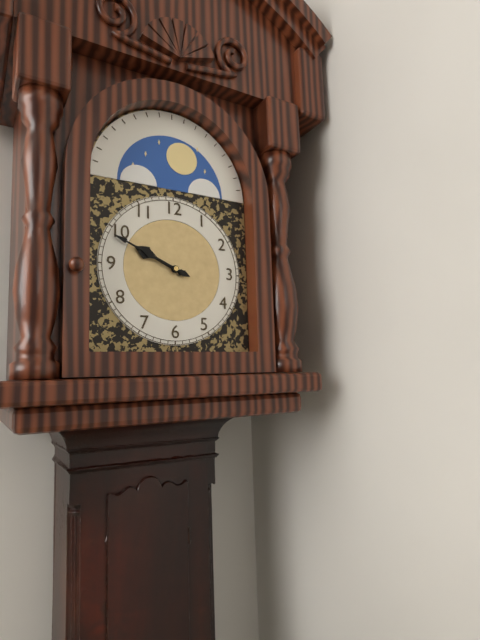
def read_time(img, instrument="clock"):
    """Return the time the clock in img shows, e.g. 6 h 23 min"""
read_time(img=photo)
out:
9 h 49 min
